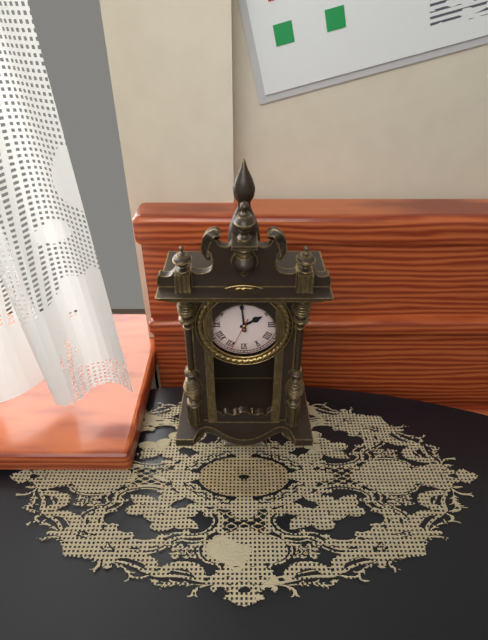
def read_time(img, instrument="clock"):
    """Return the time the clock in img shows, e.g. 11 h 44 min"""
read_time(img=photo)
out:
1 h 59 min
